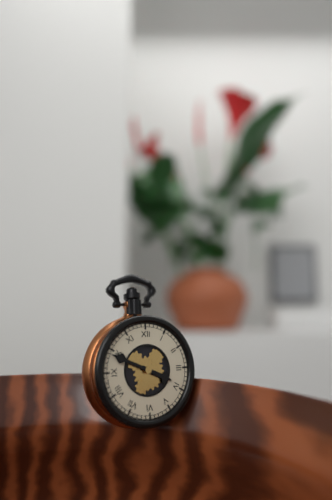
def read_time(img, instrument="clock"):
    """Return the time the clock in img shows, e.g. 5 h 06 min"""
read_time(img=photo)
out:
3 h 49 min
